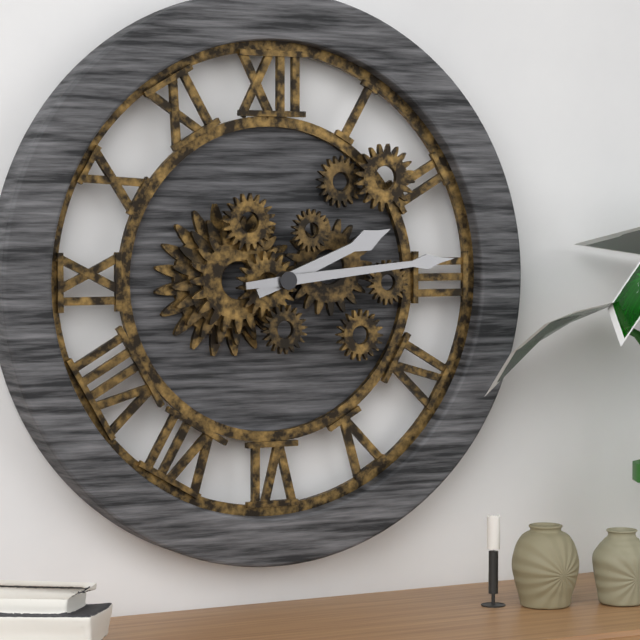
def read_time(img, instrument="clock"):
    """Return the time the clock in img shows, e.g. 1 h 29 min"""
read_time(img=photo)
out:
2 h 14 min
